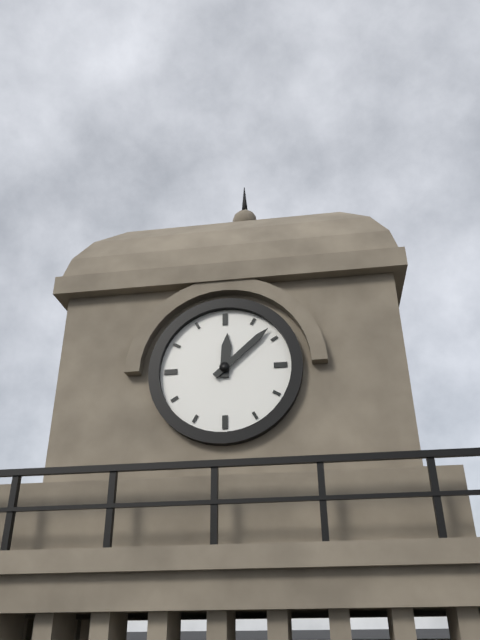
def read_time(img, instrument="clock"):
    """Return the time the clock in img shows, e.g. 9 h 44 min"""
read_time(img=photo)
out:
12 h 08 min
